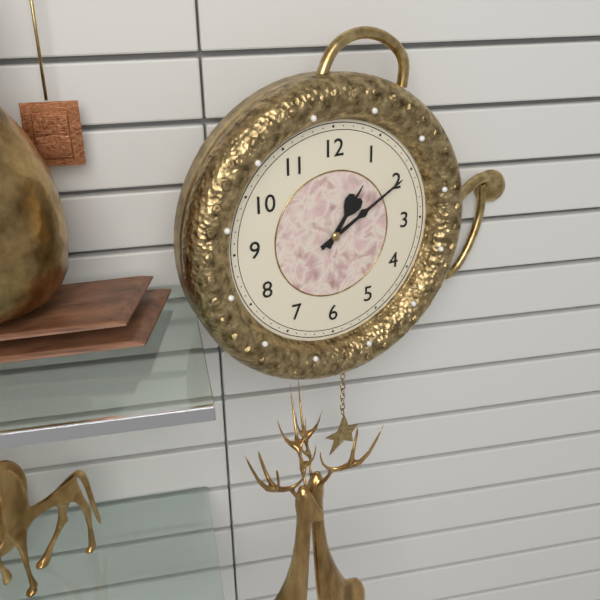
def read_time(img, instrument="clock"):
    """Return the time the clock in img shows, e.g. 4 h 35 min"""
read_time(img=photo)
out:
1 h 10 min
